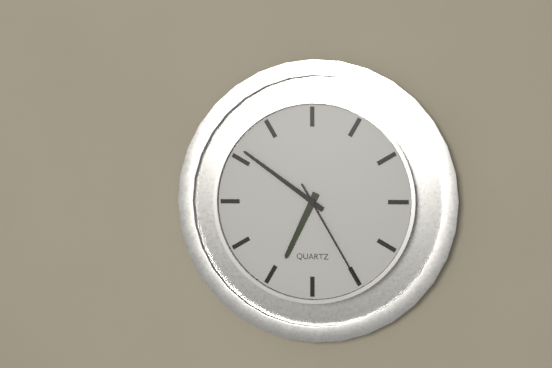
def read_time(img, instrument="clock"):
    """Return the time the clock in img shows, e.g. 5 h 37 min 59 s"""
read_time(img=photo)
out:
6 h 51 min 25 s
